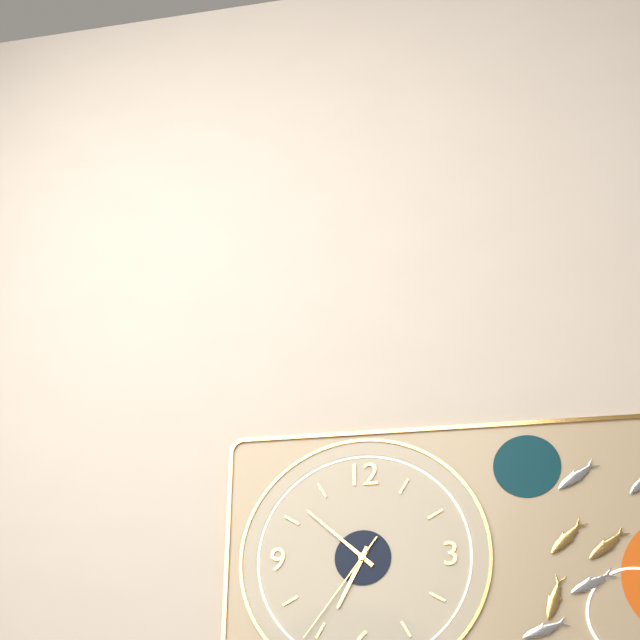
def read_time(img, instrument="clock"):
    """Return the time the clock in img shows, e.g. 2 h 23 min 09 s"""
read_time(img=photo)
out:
6 h 52 min 36 s
